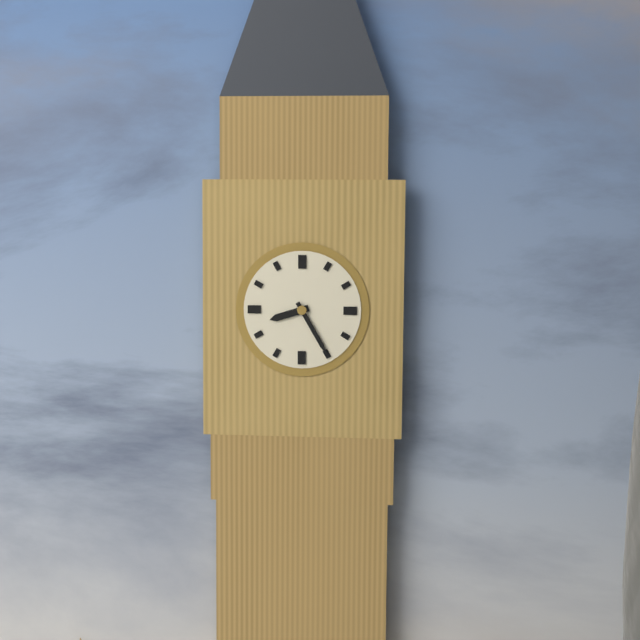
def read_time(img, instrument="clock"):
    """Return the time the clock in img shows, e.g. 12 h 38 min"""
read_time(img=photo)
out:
8 h 25 min
